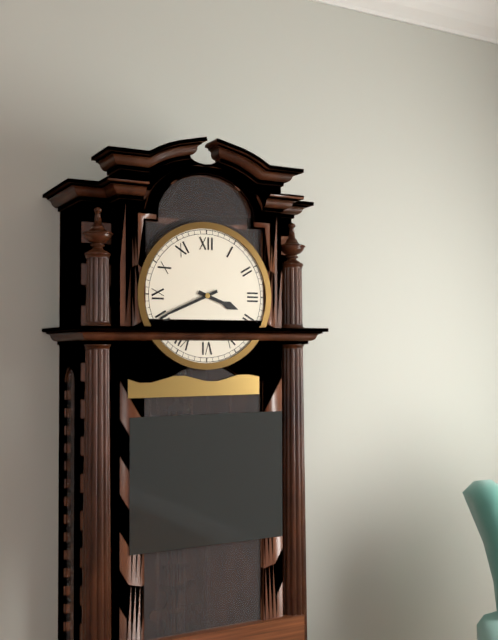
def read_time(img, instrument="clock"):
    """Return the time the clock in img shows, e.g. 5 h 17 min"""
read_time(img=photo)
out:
3 h 41 min
